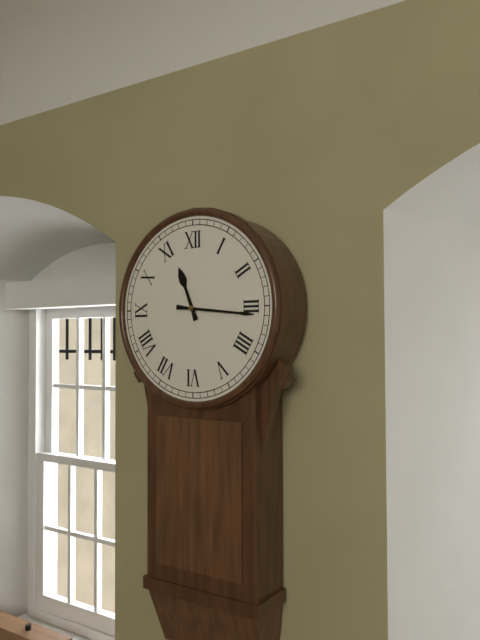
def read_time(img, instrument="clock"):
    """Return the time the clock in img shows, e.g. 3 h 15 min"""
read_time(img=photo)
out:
11 h 16 min
